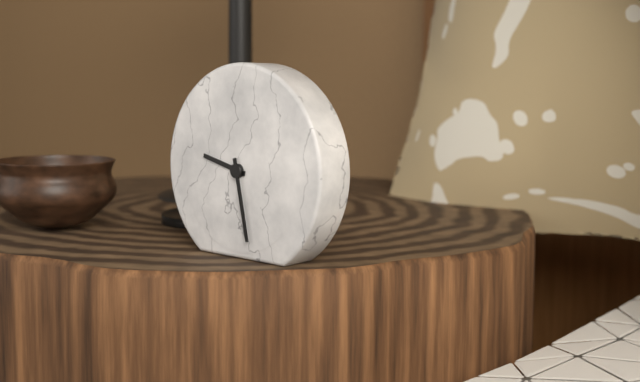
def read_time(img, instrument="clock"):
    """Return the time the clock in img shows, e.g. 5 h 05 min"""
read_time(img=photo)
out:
9 h 28 min
